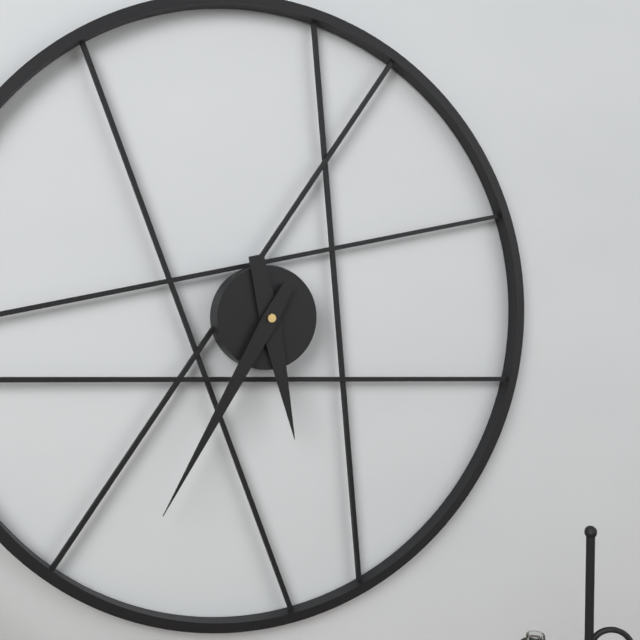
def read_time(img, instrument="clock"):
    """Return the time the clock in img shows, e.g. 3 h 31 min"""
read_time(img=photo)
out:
5 h 35 min
